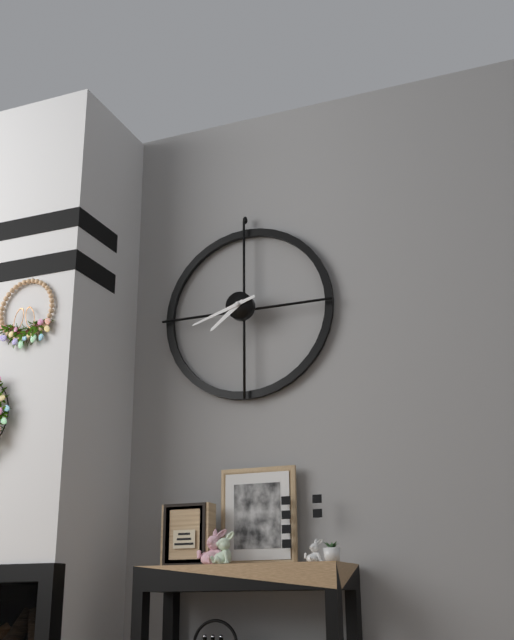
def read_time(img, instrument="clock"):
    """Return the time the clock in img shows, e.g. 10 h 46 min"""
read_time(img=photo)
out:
7 h 42 min
